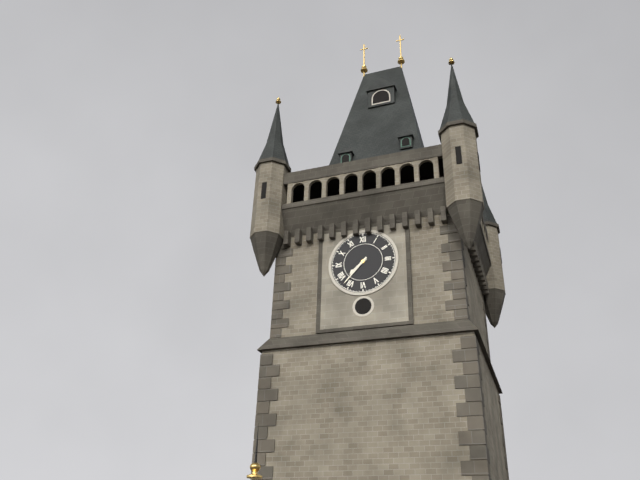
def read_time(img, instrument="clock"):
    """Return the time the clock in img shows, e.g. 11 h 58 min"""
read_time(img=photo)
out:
7 h 37 min
